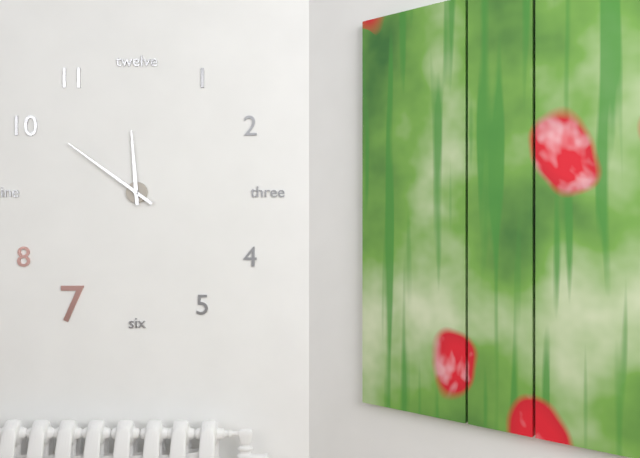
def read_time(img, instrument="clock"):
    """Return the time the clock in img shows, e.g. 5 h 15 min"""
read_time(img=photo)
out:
11 h 51 min
